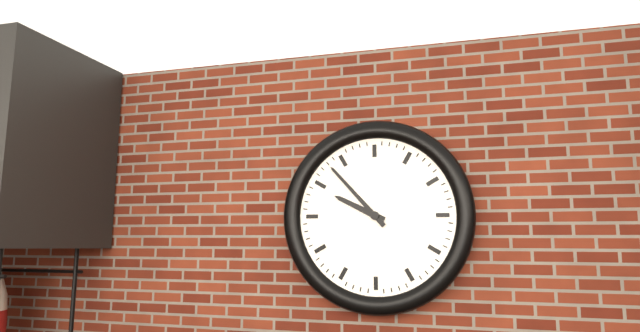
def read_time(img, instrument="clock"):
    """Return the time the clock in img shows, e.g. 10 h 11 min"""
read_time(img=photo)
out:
9 h 53 min
